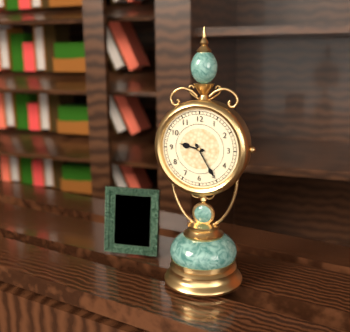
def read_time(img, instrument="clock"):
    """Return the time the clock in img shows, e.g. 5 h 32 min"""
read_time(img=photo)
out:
9 h 25 min
